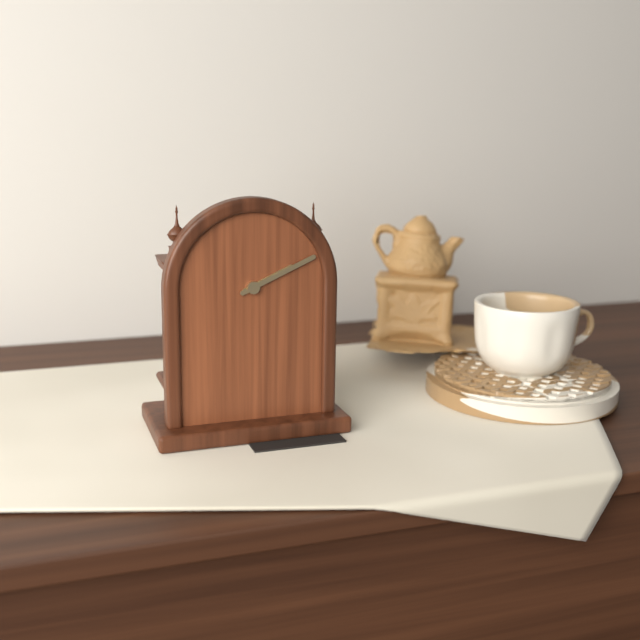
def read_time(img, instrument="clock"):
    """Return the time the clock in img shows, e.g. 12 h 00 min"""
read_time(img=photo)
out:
2 h 11 min
